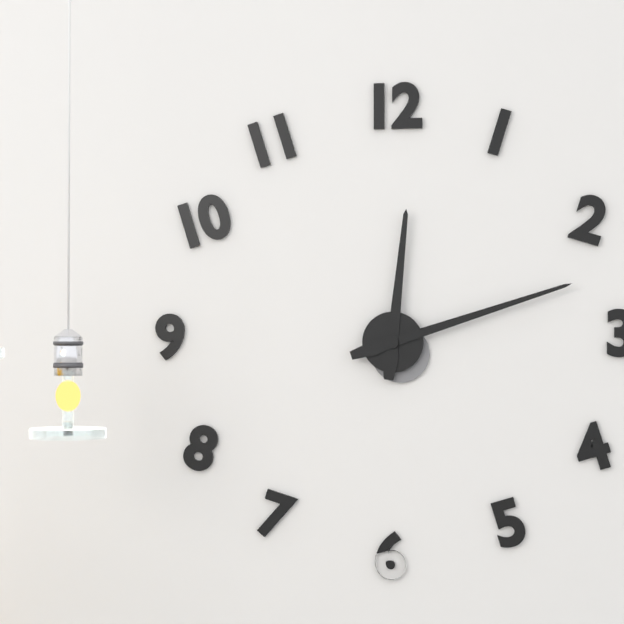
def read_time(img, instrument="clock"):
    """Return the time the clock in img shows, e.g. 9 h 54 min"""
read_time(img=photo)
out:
12 h 12 min
